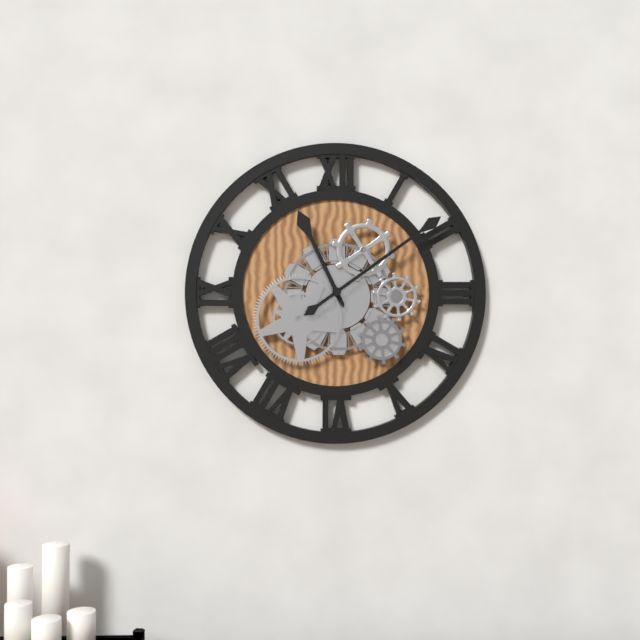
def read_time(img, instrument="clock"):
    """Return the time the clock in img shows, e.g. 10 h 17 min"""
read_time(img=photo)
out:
11 h 09 min
